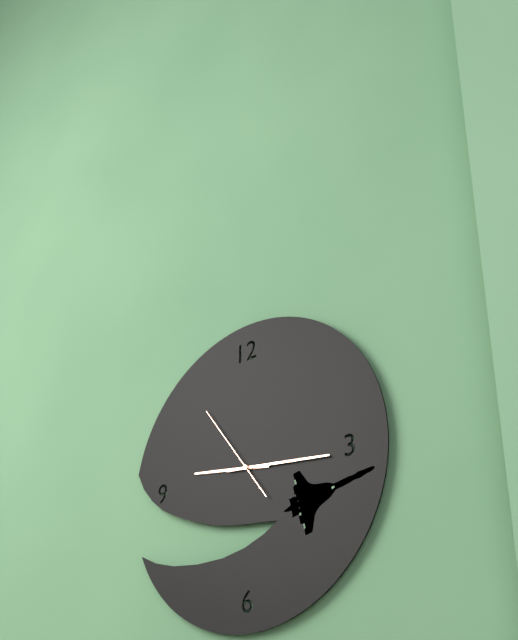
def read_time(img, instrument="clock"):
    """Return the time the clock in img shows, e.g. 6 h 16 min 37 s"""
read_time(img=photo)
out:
9 h 16 min 54 s
